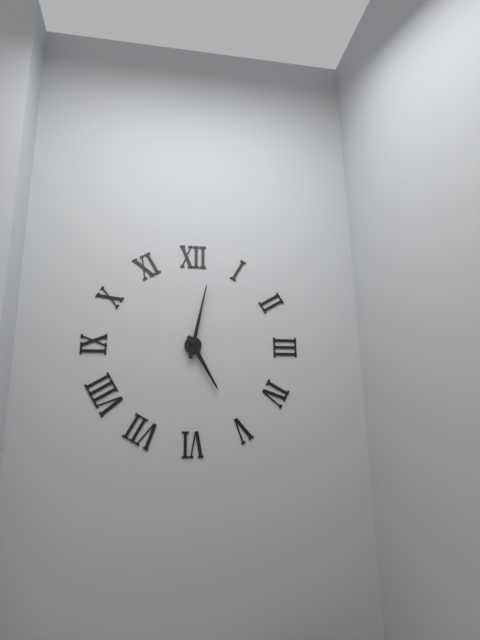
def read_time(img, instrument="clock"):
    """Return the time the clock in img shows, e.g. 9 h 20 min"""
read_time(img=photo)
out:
5 h 02 min
